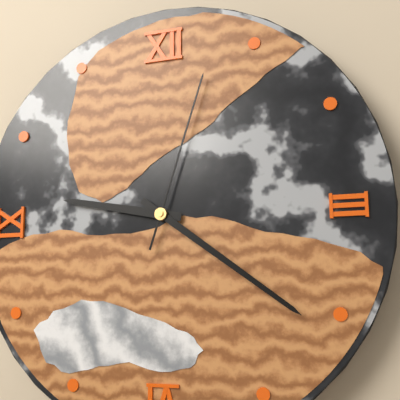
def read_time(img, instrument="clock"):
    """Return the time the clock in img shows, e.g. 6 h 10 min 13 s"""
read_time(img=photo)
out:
9 h 21 min 03 s
